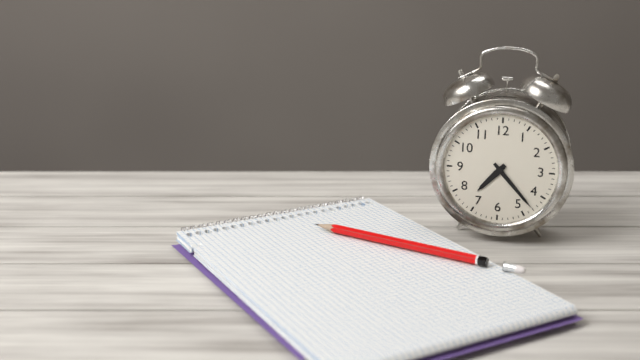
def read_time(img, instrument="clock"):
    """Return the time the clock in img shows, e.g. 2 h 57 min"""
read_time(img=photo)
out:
7 h 23 min
